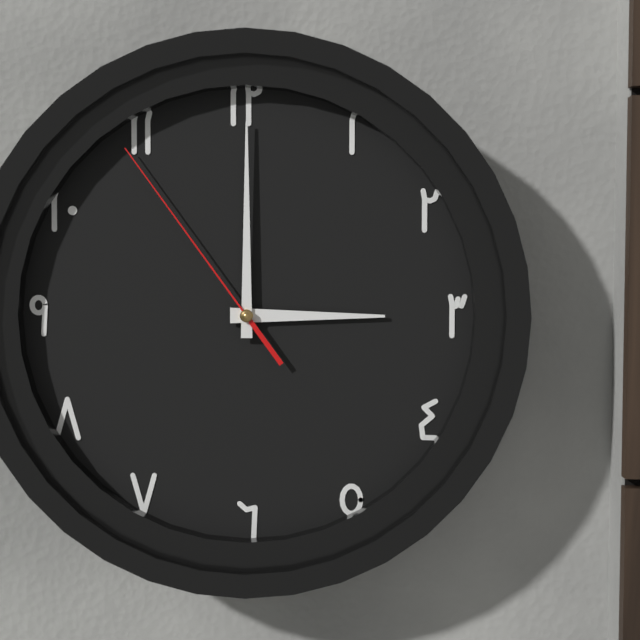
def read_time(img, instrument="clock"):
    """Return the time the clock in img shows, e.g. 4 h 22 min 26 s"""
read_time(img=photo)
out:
3 h 00 min 54 s
